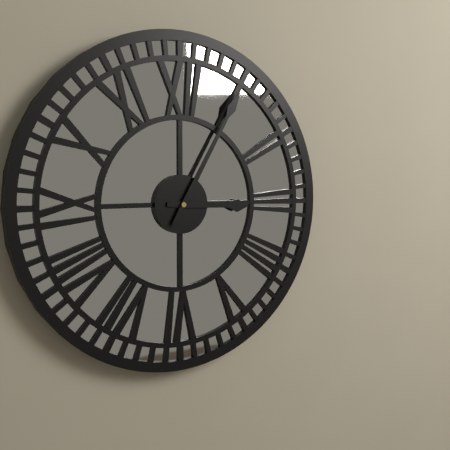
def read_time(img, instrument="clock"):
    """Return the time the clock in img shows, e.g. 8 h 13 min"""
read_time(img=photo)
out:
3 h 05 min
